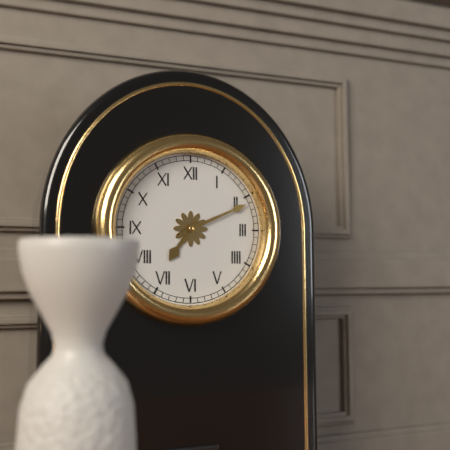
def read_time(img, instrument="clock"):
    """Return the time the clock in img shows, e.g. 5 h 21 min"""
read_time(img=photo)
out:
7 h 11 min
